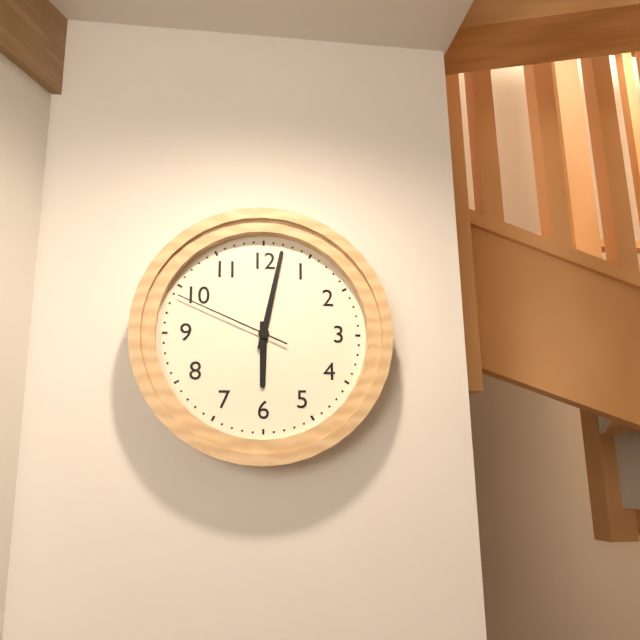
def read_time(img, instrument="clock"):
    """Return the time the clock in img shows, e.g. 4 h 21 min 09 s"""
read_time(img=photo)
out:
6 h 02 min 49 s
